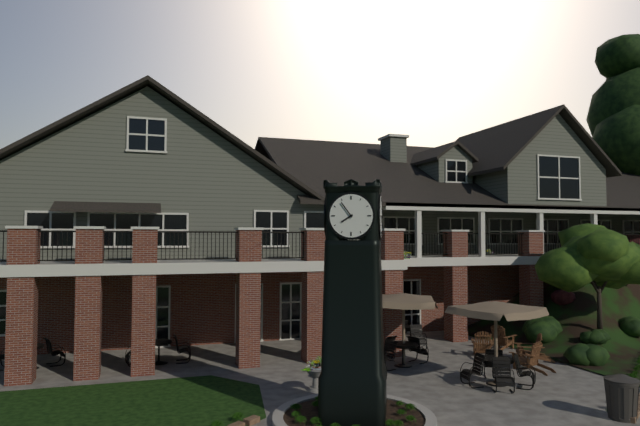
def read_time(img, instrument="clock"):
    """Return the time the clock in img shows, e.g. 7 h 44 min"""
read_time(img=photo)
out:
7 h 54 min
